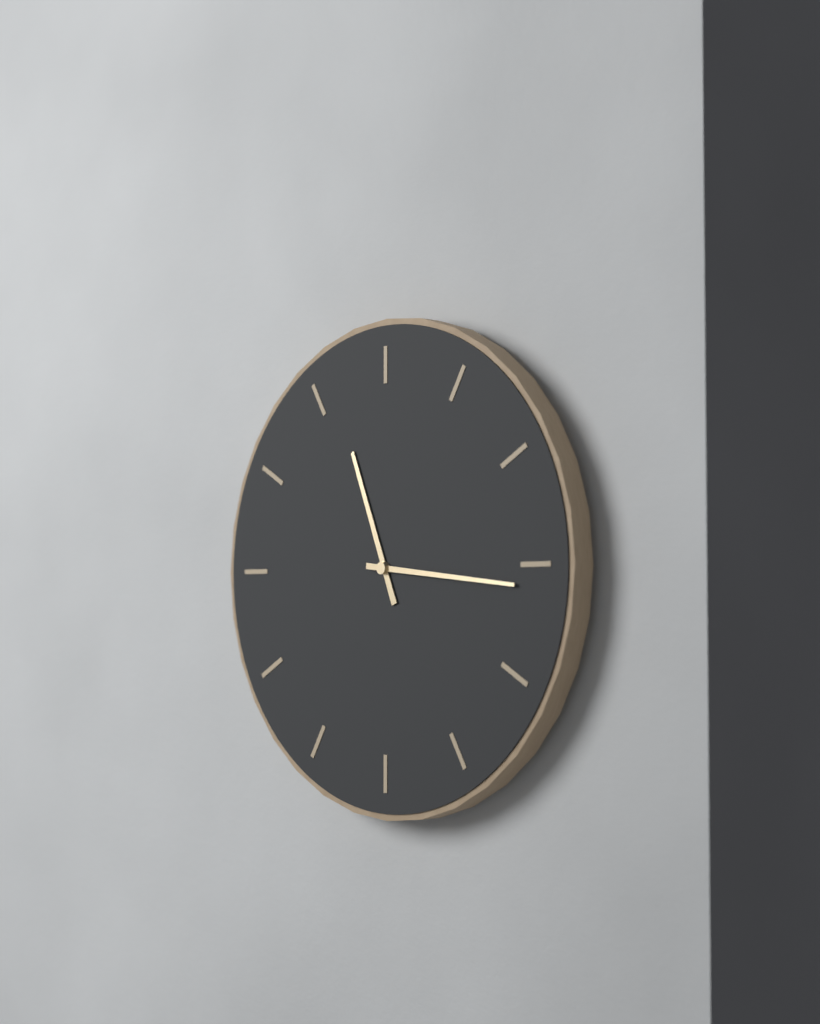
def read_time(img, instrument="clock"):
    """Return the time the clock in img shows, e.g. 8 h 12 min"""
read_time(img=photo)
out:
11 h 16 min
